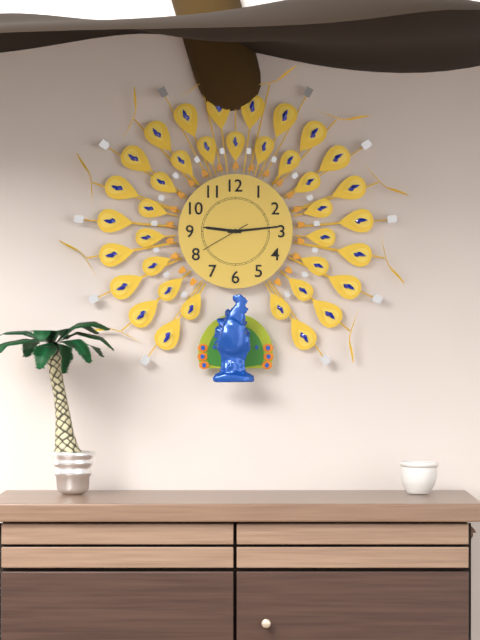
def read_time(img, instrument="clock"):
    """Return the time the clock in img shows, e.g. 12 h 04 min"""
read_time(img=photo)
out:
9 h 14 min
